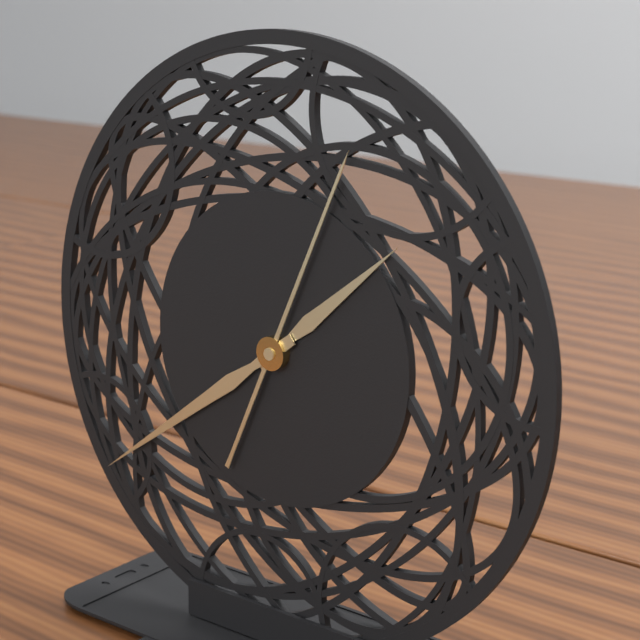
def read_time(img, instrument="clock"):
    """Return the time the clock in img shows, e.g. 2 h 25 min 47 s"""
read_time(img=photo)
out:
1 h 39 min 04 s
